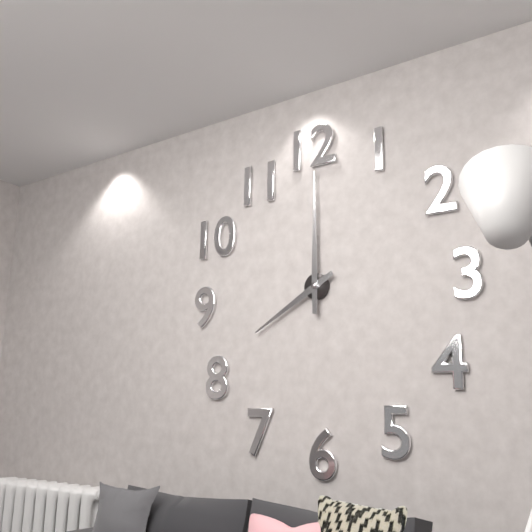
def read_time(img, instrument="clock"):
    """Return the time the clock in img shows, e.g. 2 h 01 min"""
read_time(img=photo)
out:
8 h 00 min
